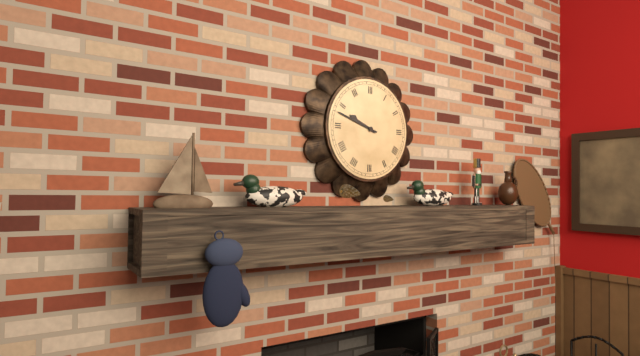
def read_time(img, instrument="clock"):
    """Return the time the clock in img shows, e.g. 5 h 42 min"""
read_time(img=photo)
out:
9 h 48 min
